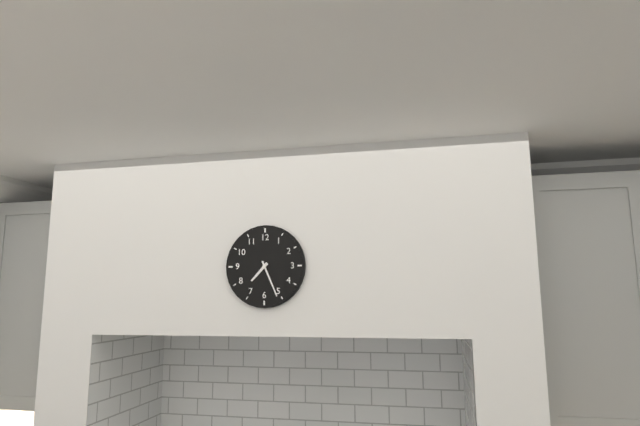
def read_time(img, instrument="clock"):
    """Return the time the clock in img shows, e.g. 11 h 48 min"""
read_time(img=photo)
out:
7 h 26 min
